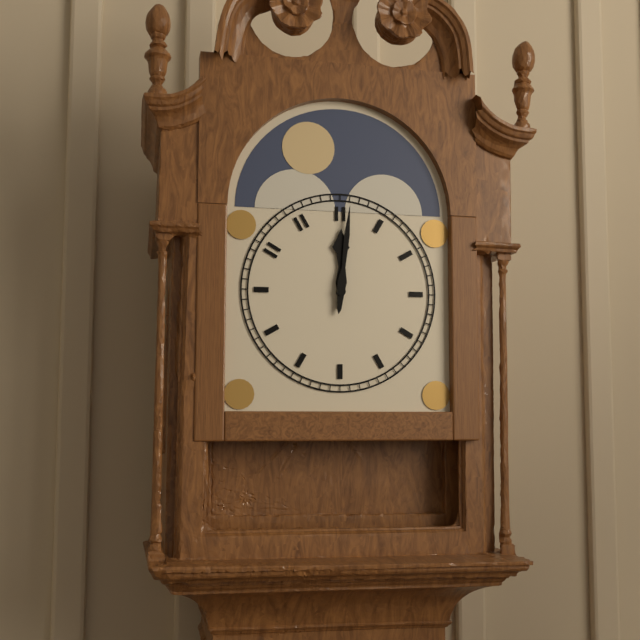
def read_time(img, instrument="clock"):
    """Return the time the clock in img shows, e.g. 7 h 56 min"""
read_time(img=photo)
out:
12 h 01 min
